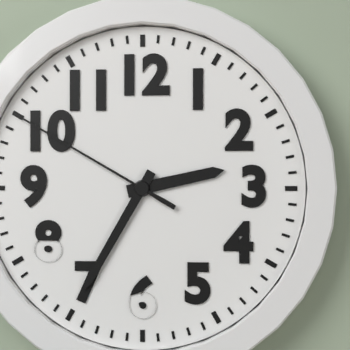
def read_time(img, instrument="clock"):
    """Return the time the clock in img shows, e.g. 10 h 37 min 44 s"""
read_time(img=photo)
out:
2 h 35 min 50 s
